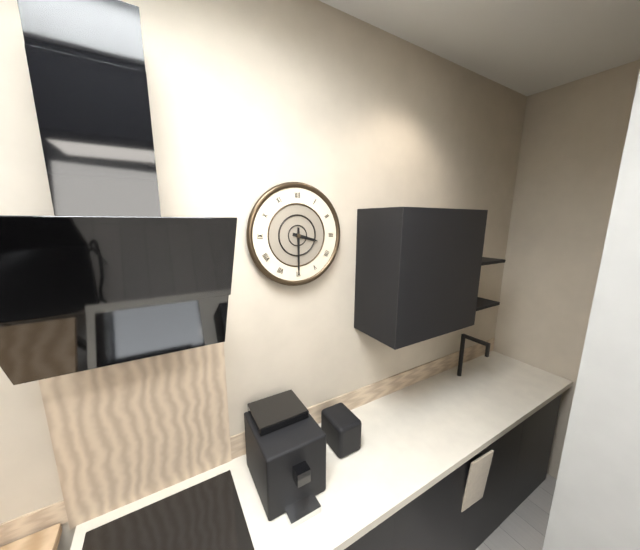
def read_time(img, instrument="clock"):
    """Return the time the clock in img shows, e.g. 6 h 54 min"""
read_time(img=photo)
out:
3 h 30 min
